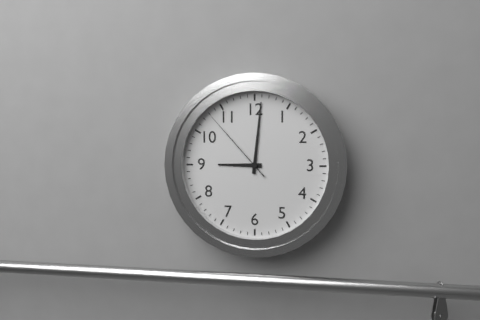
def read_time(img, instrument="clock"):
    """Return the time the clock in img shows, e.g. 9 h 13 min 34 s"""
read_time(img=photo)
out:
9 h 01 min 53 s
